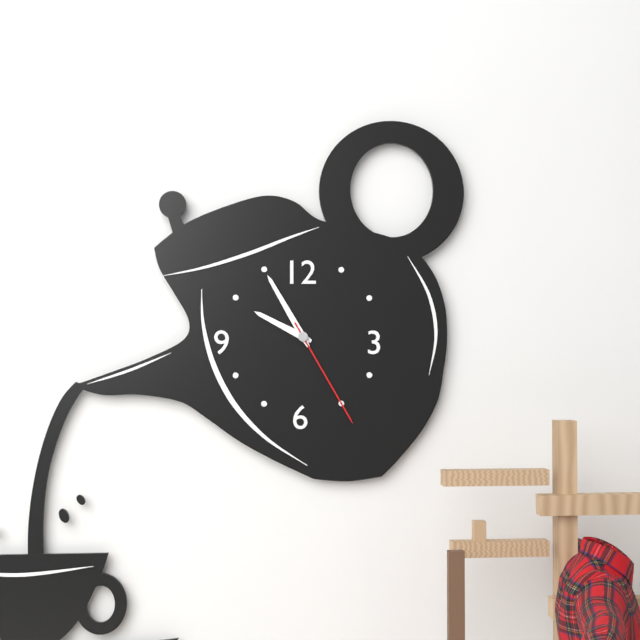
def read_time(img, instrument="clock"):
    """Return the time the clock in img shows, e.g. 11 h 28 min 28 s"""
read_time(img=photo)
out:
9 h 55 min 25 s
